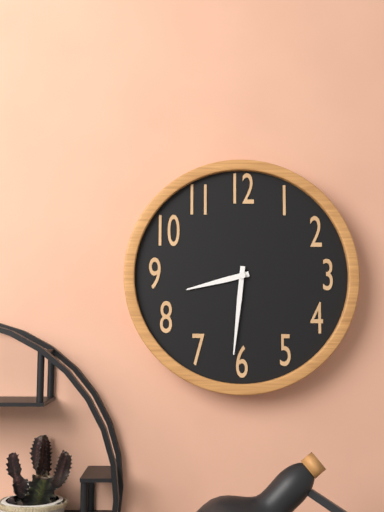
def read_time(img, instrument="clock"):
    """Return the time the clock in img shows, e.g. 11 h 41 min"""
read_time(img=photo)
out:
8 h 31 min
